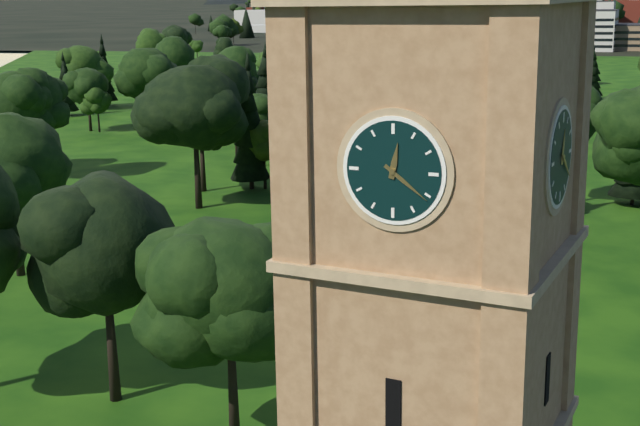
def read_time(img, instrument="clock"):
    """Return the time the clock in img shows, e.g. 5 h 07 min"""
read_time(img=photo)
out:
12 h 21 min
